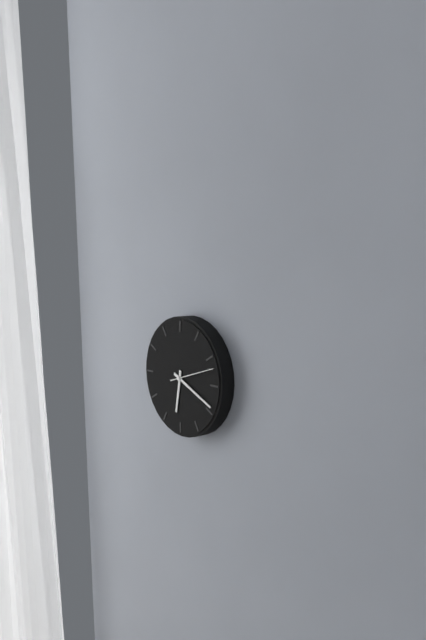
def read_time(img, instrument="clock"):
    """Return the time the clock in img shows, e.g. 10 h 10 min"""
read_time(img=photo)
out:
6 h 19 min
